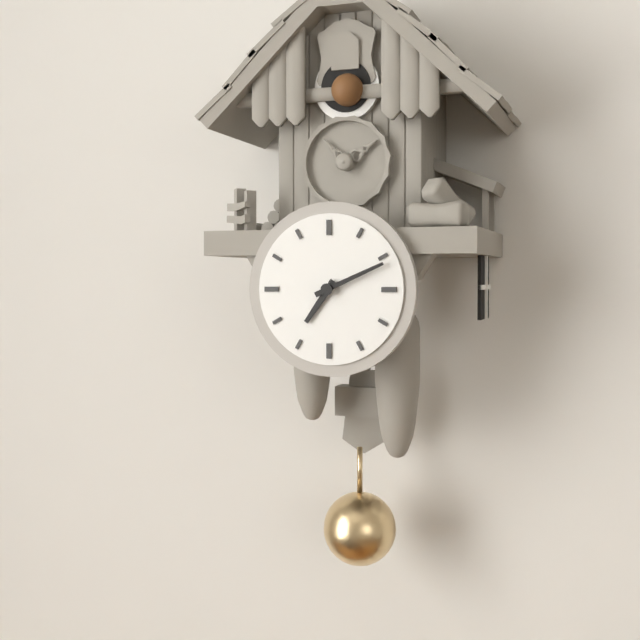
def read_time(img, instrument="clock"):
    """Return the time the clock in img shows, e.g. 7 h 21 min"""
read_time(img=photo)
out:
7 h 11 min
